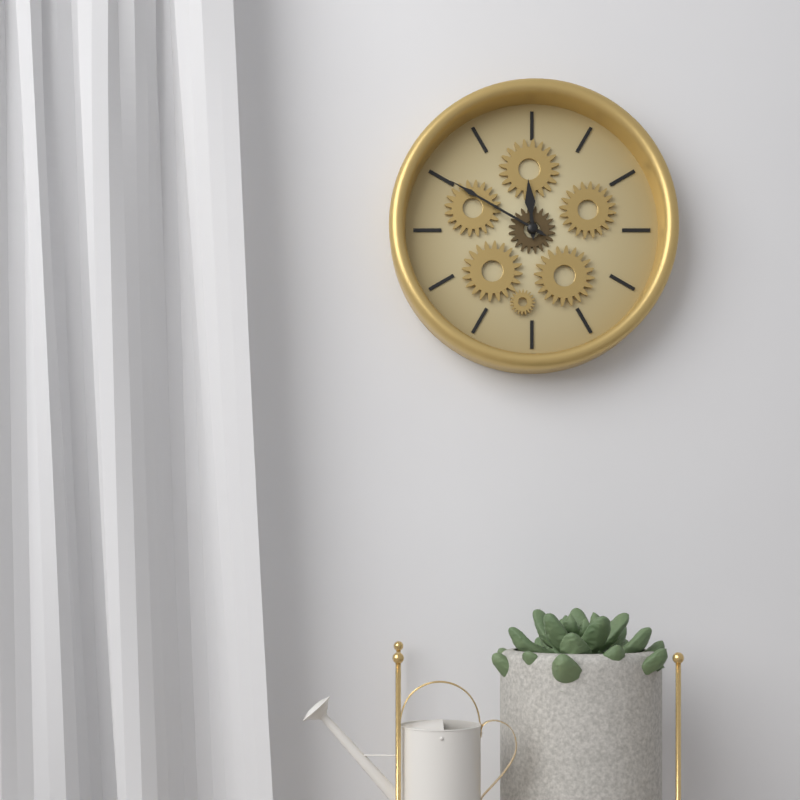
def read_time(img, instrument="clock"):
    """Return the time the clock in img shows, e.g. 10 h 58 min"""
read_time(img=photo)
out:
11 h 50 min
